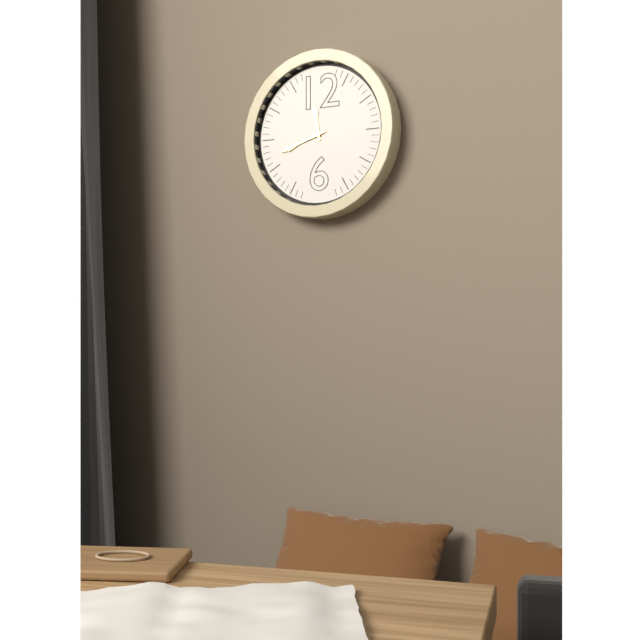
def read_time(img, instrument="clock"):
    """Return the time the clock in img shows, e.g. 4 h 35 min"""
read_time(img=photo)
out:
11 h 42 min
